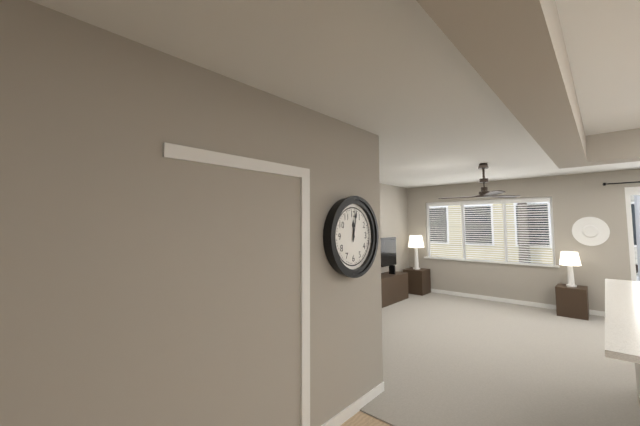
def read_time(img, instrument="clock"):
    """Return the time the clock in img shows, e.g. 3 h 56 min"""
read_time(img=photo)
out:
12 h 02 min
